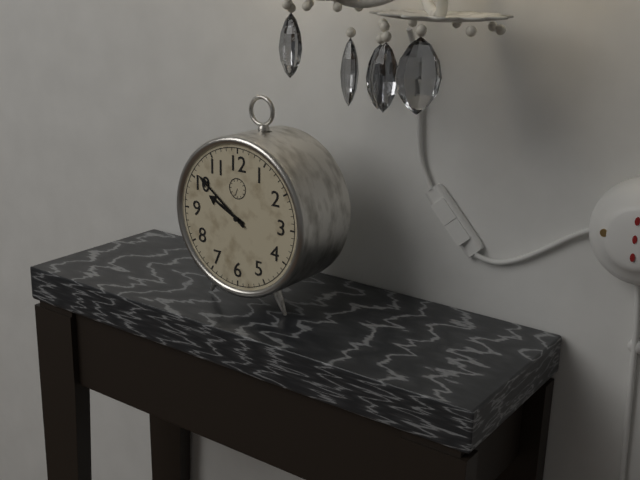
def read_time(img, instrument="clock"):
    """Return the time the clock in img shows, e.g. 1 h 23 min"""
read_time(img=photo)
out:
9 h 51 min
